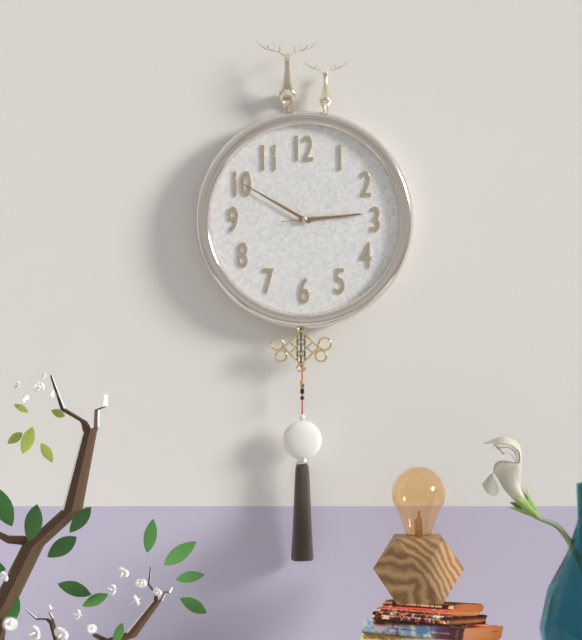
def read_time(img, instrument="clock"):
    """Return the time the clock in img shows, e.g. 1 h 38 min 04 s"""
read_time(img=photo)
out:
2 h 50 min 14 s
